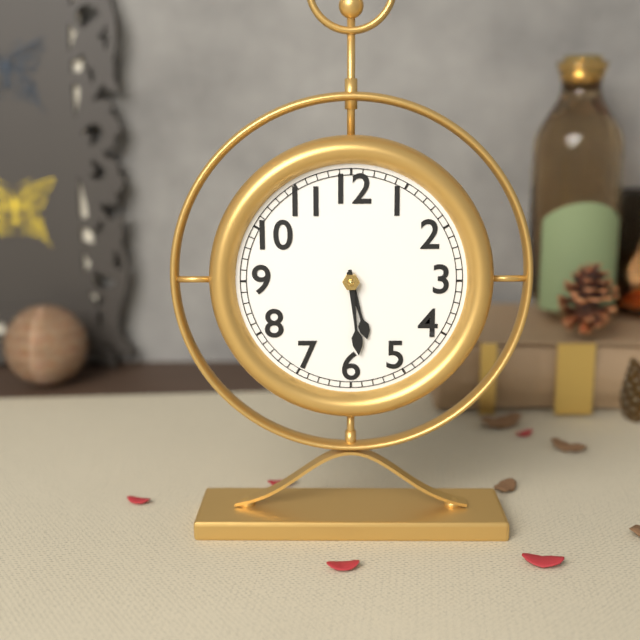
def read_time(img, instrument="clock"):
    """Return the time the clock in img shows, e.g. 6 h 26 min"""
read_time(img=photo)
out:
5 h 29 min
